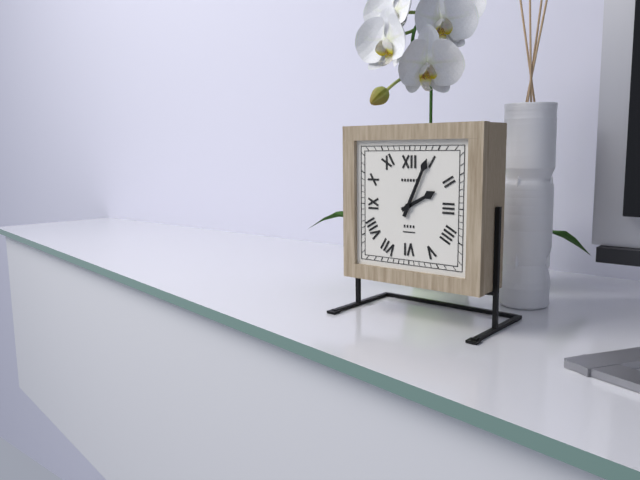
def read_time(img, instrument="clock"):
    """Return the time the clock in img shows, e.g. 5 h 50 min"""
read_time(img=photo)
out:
2 h 04 min
